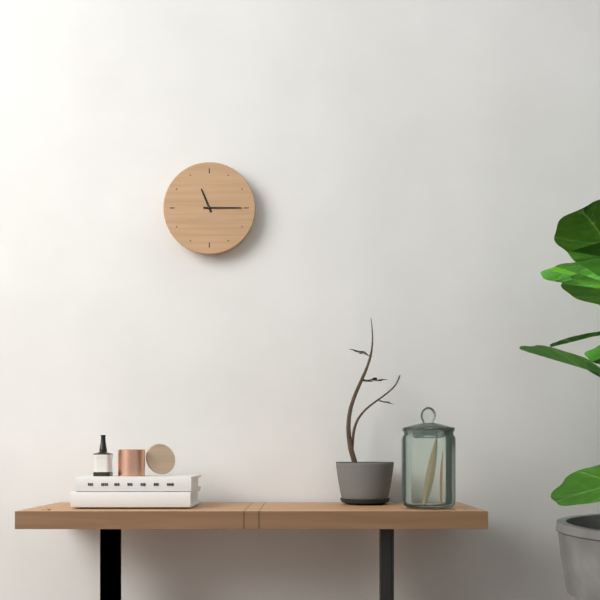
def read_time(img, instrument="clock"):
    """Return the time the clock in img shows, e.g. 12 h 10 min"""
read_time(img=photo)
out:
11 h 15 min
